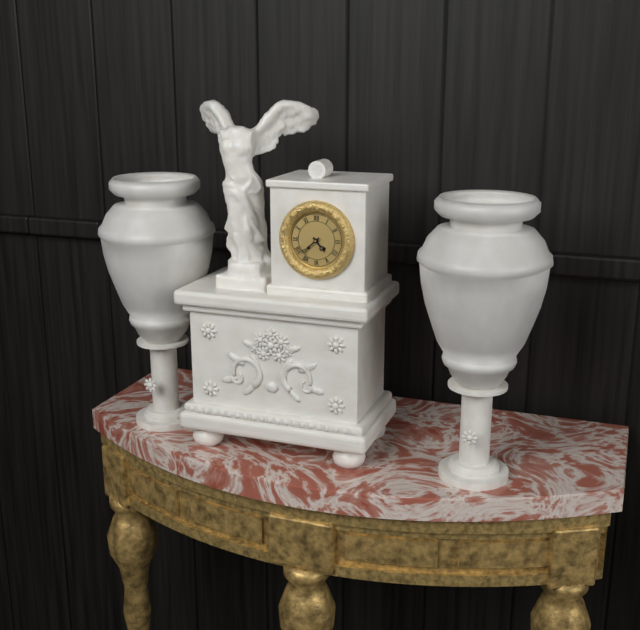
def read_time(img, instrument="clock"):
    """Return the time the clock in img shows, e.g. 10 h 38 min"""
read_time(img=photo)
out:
4 h 38 min
